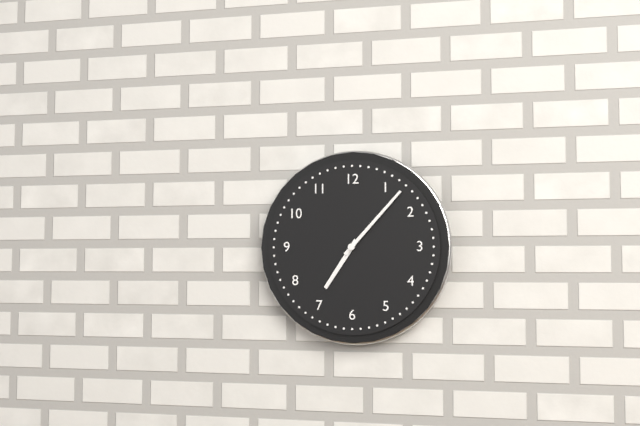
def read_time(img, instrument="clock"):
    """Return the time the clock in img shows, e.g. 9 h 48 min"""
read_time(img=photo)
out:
7 h 07 min
